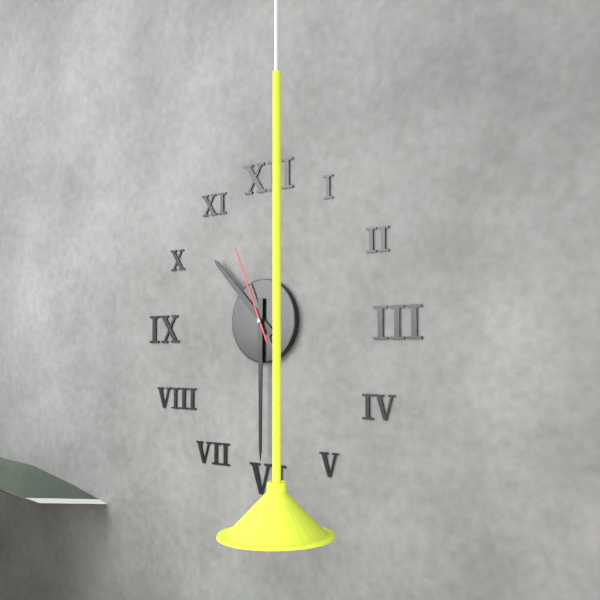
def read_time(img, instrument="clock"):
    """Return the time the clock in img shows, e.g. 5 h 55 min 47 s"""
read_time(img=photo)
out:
10 h 30 min 56 s
